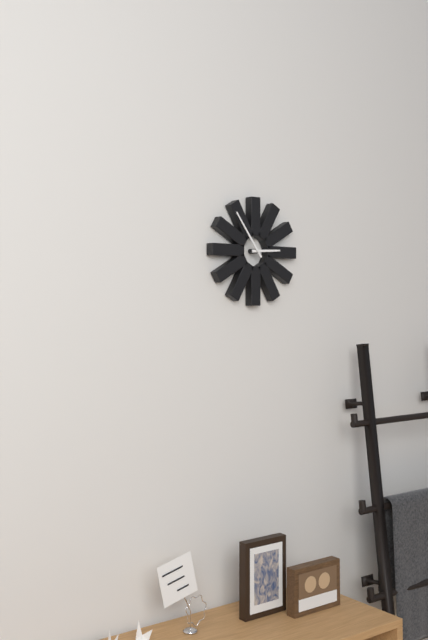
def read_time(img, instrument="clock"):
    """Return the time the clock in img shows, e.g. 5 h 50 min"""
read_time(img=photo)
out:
2 h 54 min
